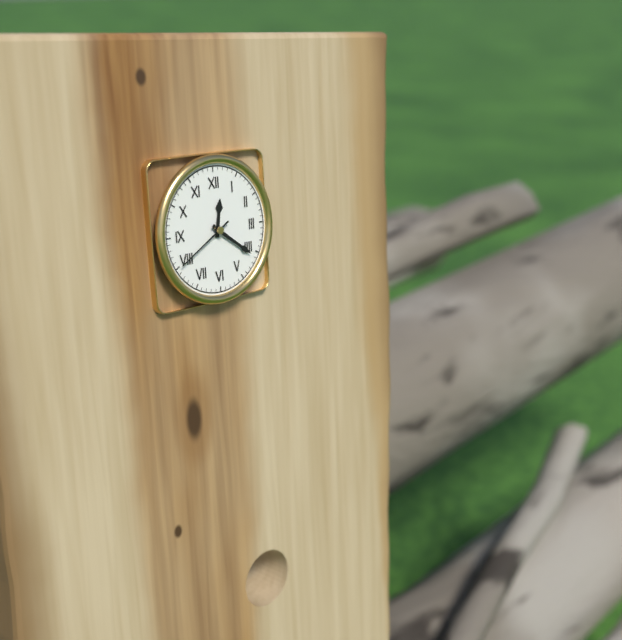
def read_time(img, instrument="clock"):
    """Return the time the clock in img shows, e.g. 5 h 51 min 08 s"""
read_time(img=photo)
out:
12 h 21 min 40 s
